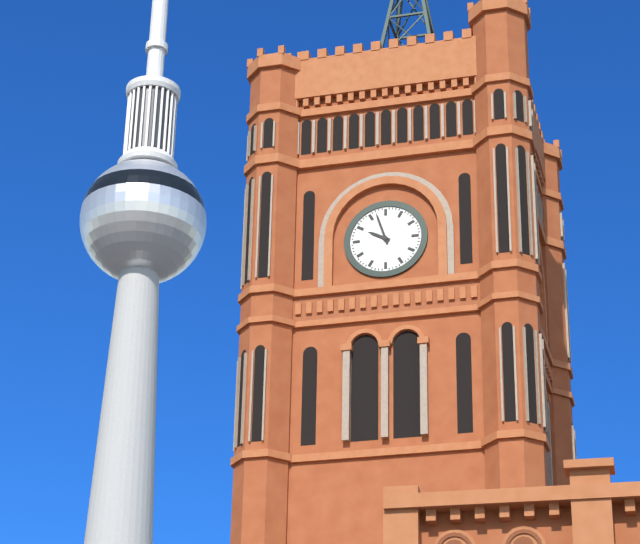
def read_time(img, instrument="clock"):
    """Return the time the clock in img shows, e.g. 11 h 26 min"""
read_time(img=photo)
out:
9 h 57 min
